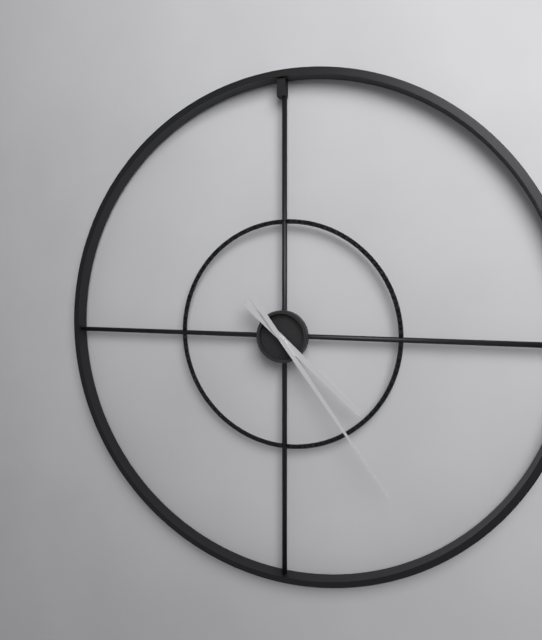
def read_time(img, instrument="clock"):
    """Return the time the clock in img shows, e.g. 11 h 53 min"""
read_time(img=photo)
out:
4 h 24 min
